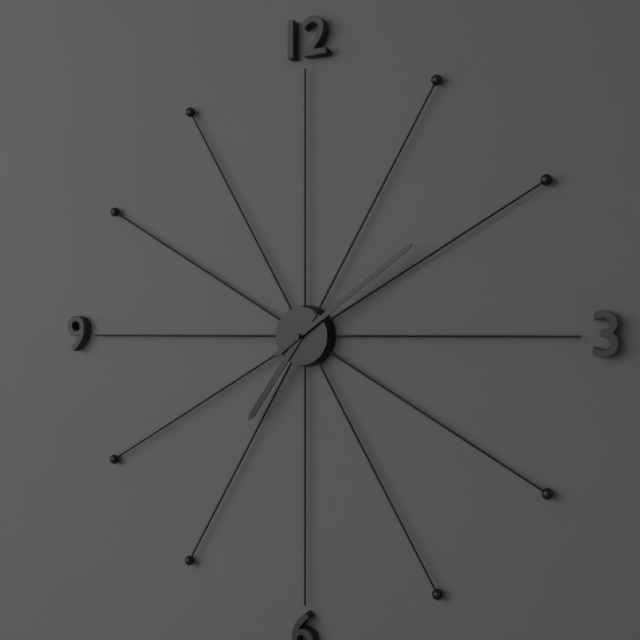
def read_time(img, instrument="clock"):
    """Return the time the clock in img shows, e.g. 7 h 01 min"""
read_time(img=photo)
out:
7 h 09 min
